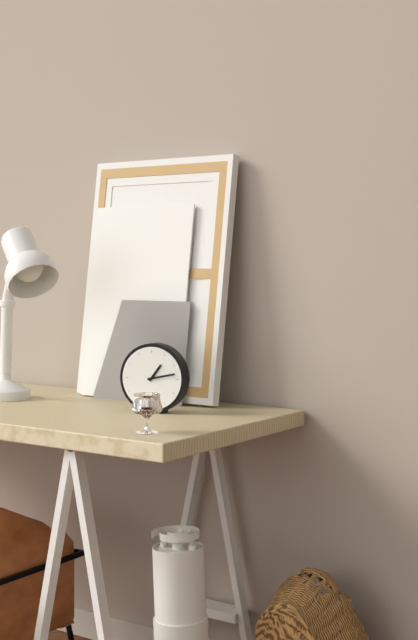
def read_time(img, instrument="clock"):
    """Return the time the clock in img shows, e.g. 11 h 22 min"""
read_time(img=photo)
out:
1 h 13 min
